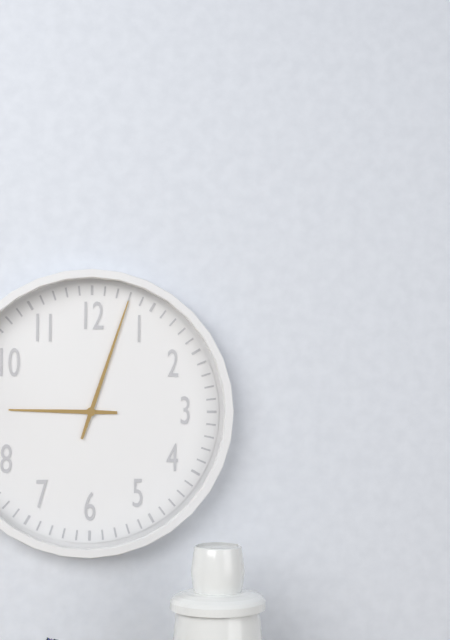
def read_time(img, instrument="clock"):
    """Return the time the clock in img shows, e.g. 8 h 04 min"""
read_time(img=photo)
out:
9 h 03 min
